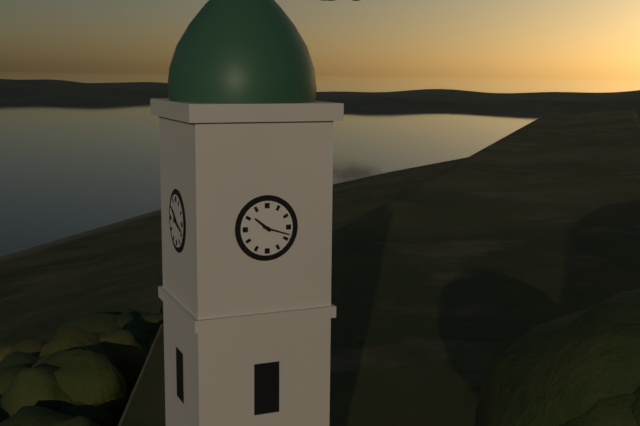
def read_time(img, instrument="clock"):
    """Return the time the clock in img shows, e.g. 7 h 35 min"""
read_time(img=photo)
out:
10 h 18 min
